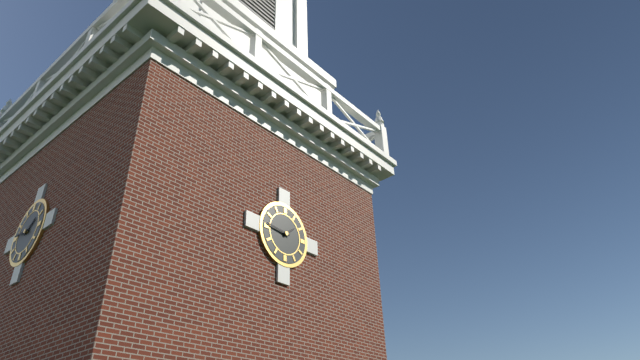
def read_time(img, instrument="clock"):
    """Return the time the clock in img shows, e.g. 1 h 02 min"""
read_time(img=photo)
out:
1 h 46 min
